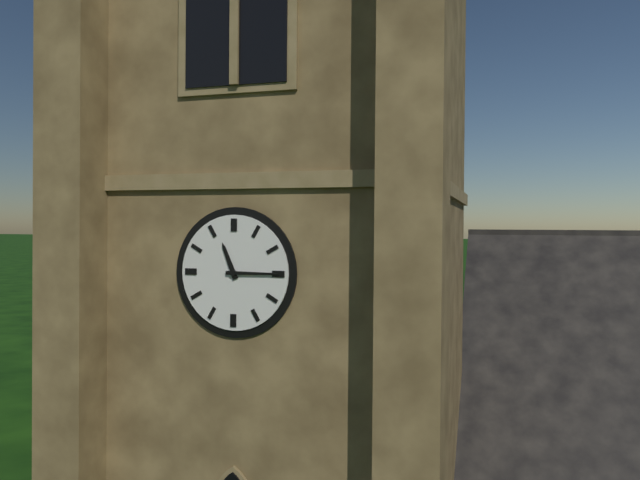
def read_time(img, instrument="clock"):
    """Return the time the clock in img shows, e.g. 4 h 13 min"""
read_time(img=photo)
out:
11 h 15 min
